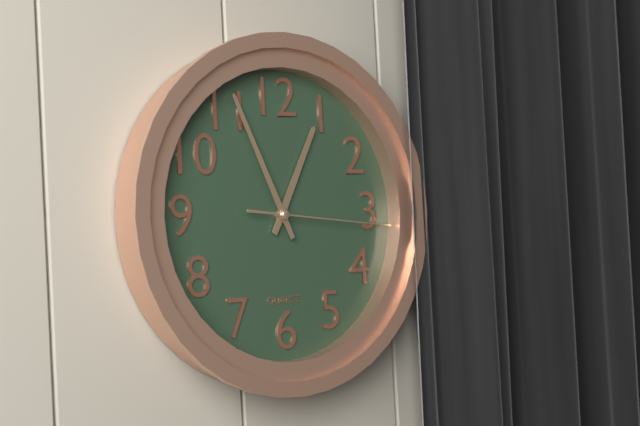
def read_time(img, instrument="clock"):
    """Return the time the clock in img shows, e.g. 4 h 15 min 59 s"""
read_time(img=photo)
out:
12 h 56 min 16 s
